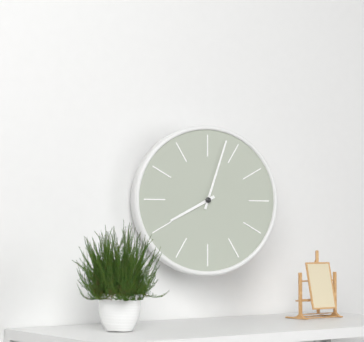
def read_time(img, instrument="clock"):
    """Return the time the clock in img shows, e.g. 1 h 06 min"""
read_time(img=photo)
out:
8 h 03 min
